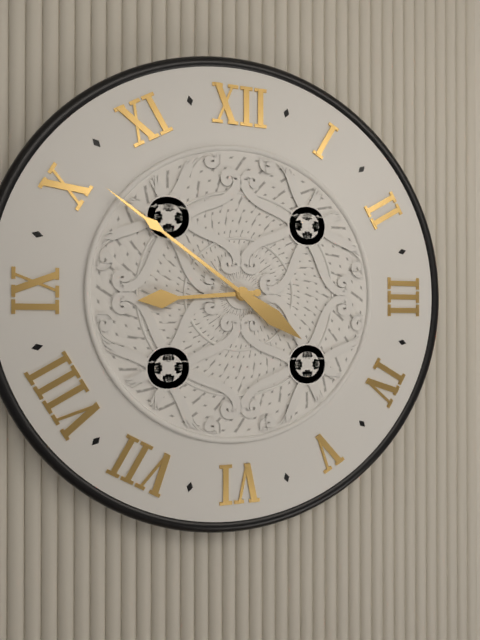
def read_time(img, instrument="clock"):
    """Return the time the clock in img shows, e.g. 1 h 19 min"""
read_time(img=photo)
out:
8 h 51 min
